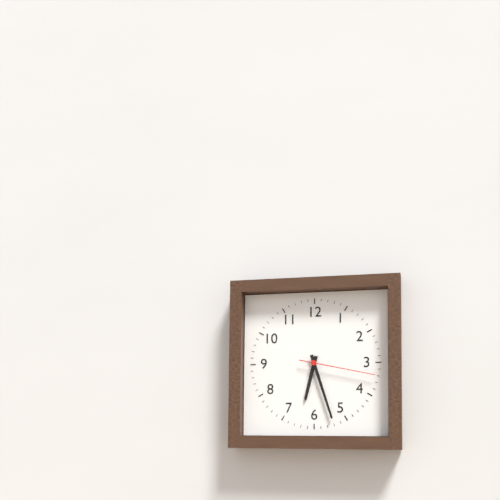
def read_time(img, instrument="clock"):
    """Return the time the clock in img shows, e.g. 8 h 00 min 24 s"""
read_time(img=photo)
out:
6 h 27 min 17 s
